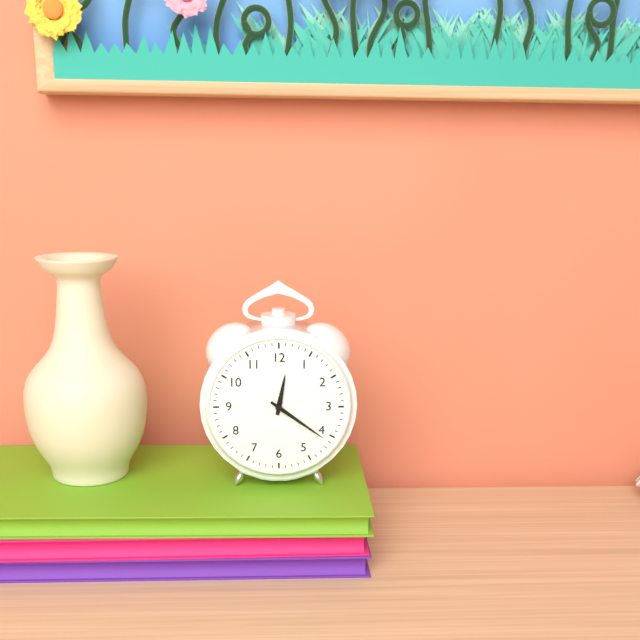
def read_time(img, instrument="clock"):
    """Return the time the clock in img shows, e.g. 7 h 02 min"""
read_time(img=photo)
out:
12 h 21 min
